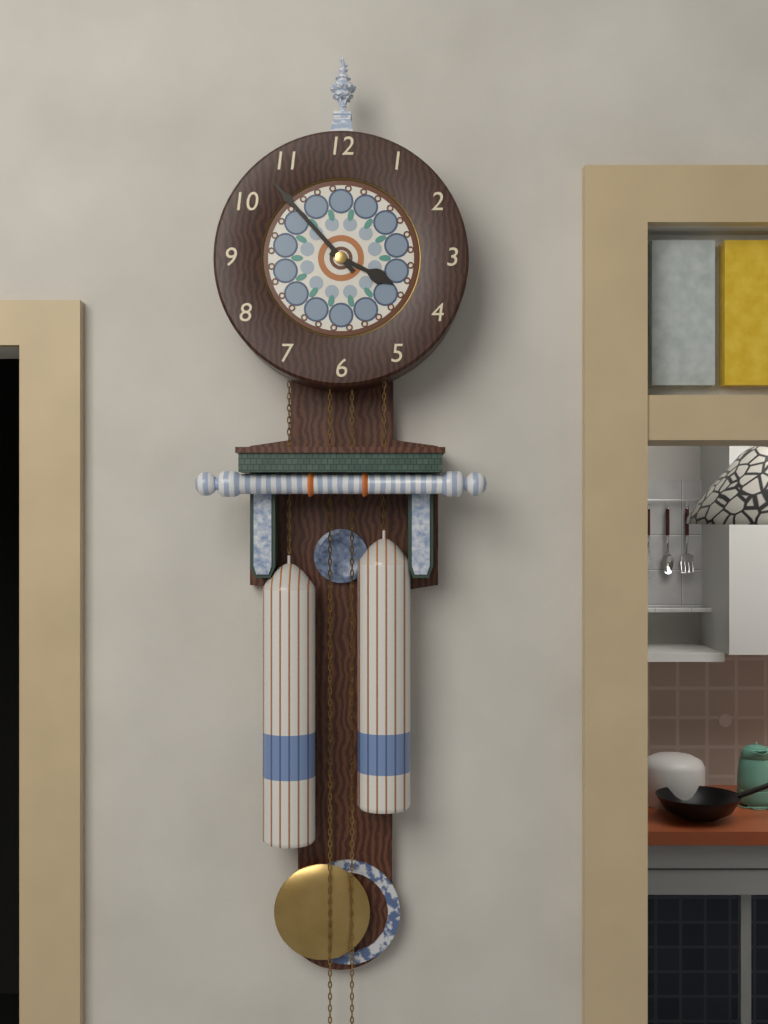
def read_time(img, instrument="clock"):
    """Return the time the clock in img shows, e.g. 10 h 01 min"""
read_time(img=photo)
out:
3 h 53 min
